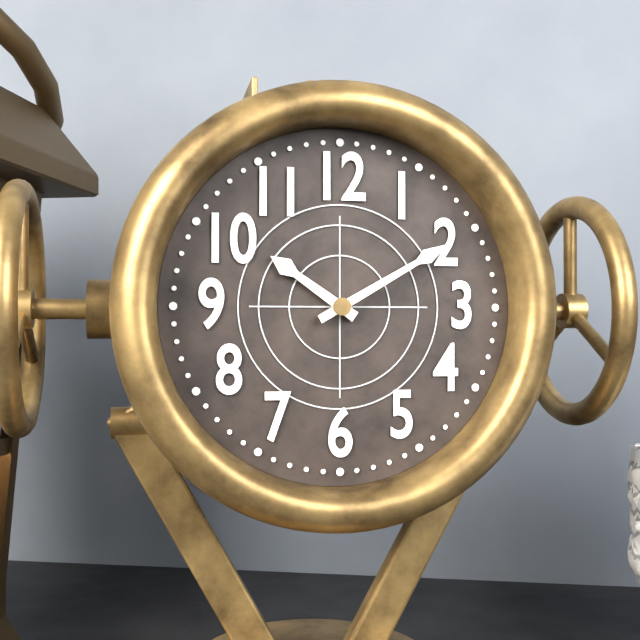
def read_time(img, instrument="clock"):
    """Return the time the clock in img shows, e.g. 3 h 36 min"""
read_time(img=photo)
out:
10 h 10 min
